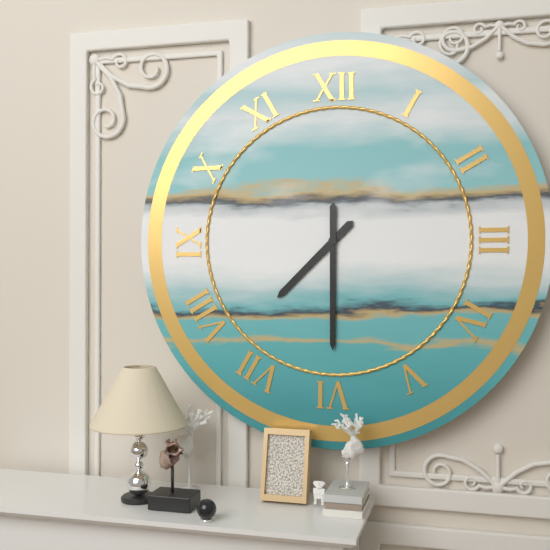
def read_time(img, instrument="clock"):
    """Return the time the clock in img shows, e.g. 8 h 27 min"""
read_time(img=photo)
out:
7 h 30 min
